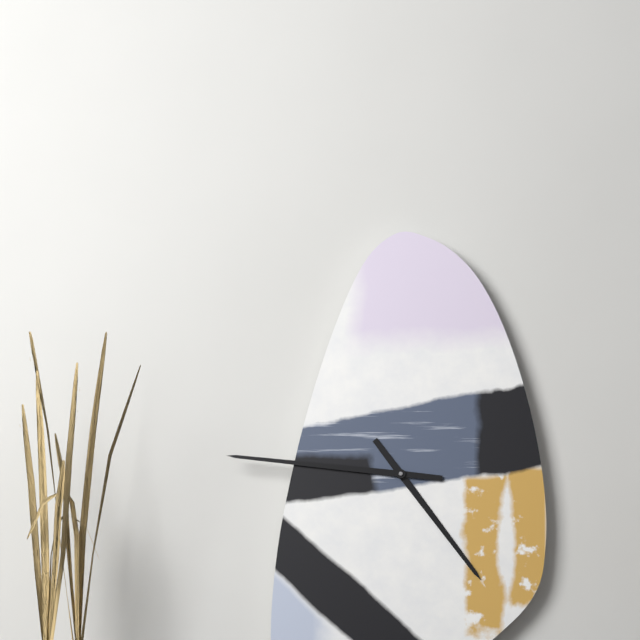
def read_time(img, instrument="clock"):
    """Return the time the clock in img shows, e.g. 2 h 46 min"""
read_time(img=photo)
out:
4 h 46 min
